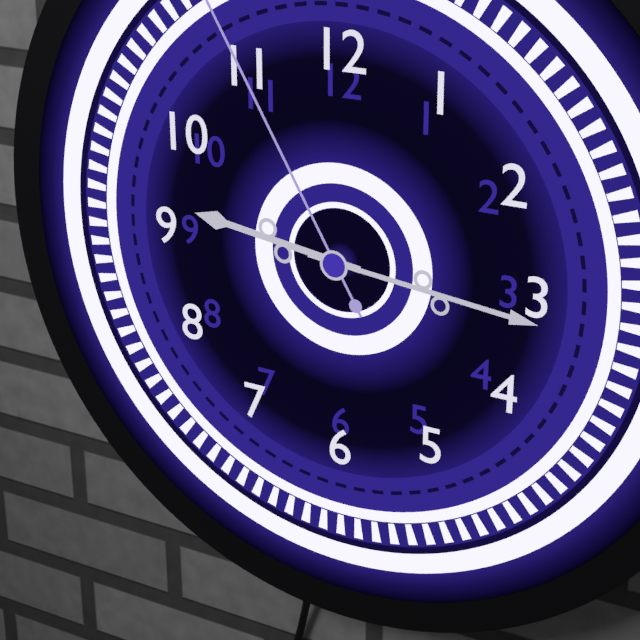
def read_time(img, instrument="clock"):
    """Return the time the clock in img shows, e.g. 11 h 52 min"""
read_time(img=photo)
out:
9 h 16 min
